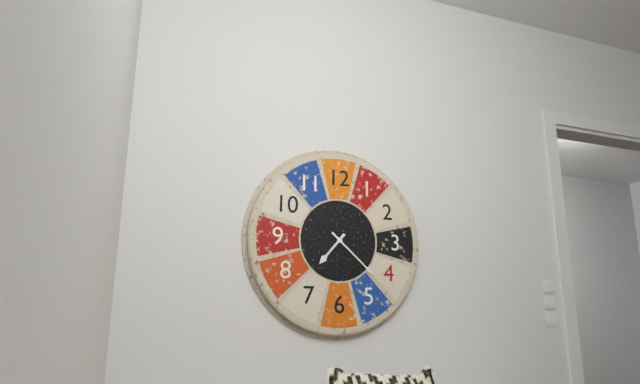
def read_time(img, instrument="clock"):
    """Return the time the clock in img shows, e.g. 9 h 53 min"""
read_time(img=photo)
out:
7 h 22 min
